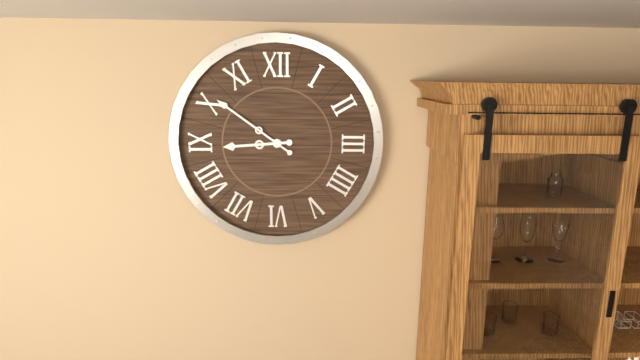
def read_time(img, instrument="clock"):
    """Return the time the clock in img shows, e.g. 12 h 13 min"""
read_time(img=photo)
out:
8 h 51 min
